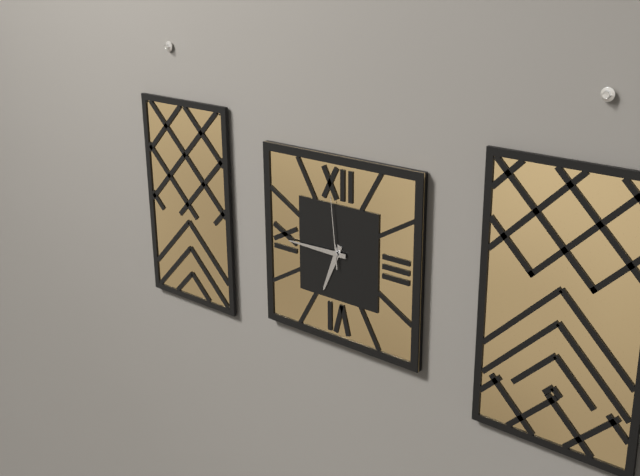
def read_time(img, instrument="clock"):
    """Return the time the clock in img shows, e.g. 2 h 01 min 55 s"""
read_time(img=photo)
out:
6 h 45 min 59 s
